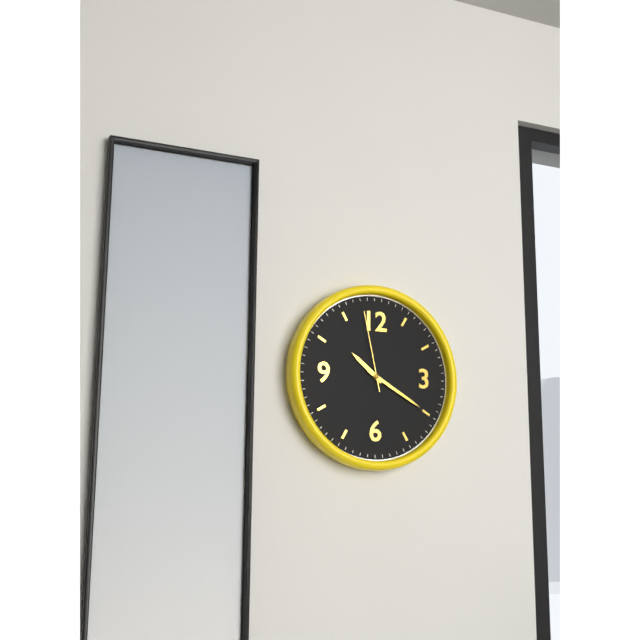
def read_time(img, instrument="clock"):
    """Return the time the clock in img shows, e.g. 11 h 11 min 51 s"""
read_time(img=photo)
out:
10 h 20 min 58 s
